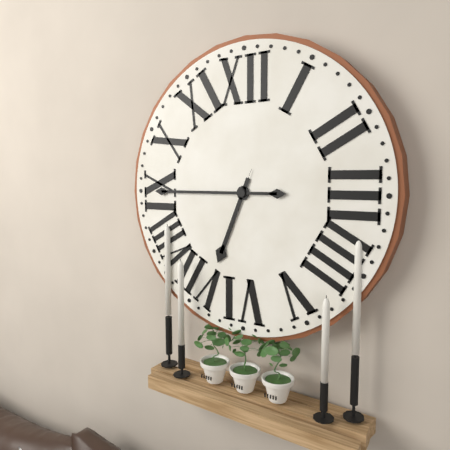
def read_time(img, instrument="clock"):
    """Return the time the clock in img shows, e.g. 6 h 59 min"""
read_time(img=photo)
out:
6 h 45 min
